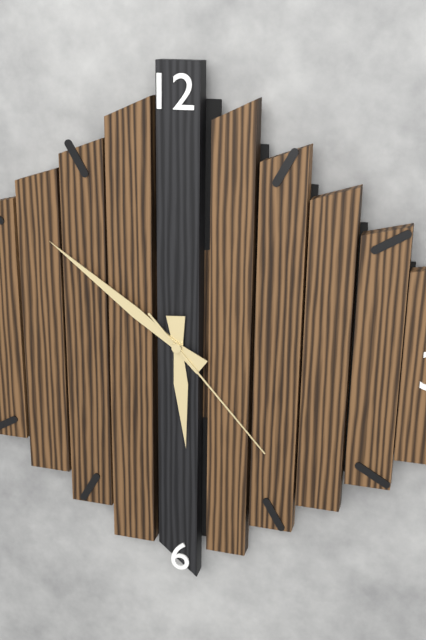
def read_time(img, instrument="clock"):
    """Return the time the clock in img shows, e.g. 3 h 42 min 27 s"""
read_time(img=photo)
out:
5 h 51 min 23 s
